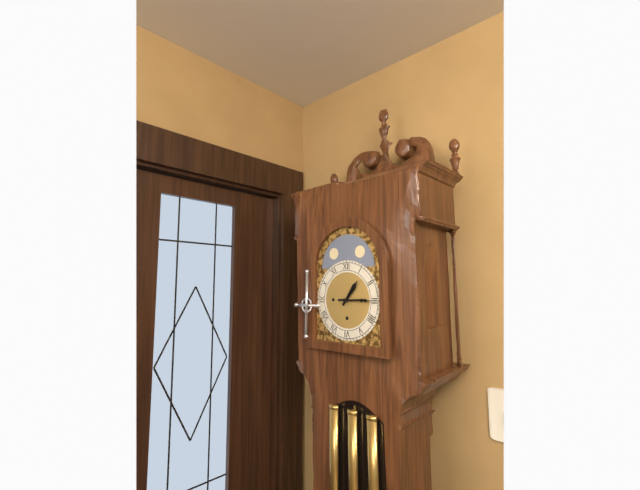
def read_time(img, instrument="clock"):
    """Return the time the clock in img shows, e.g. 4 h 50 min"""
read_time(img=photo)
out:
1 h 15 min
